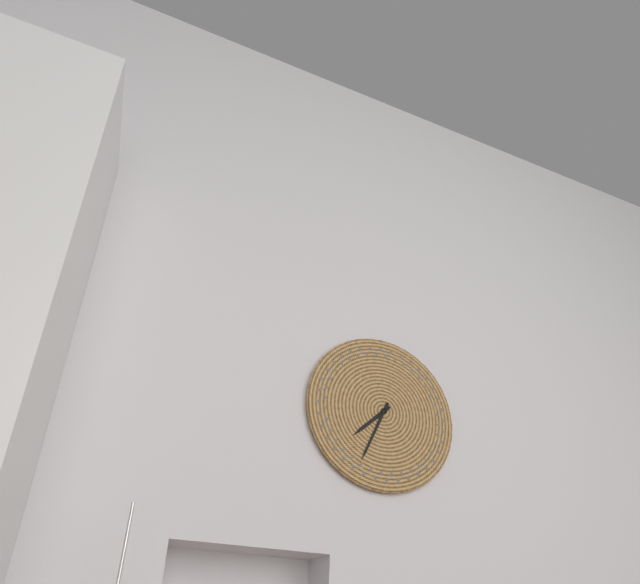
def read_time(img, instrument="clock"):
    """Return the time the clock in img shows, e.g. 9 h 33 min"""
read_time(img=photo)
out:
7 h 34 min
